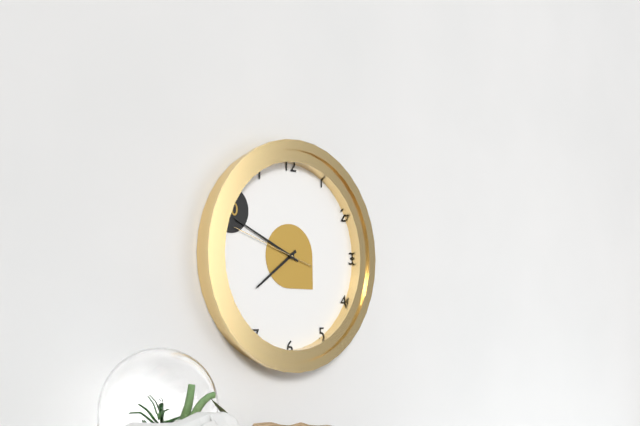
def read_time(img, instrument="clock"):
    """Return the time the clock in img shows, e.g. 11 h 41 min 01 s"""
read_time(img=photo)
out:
7 h 49 min 48 s
